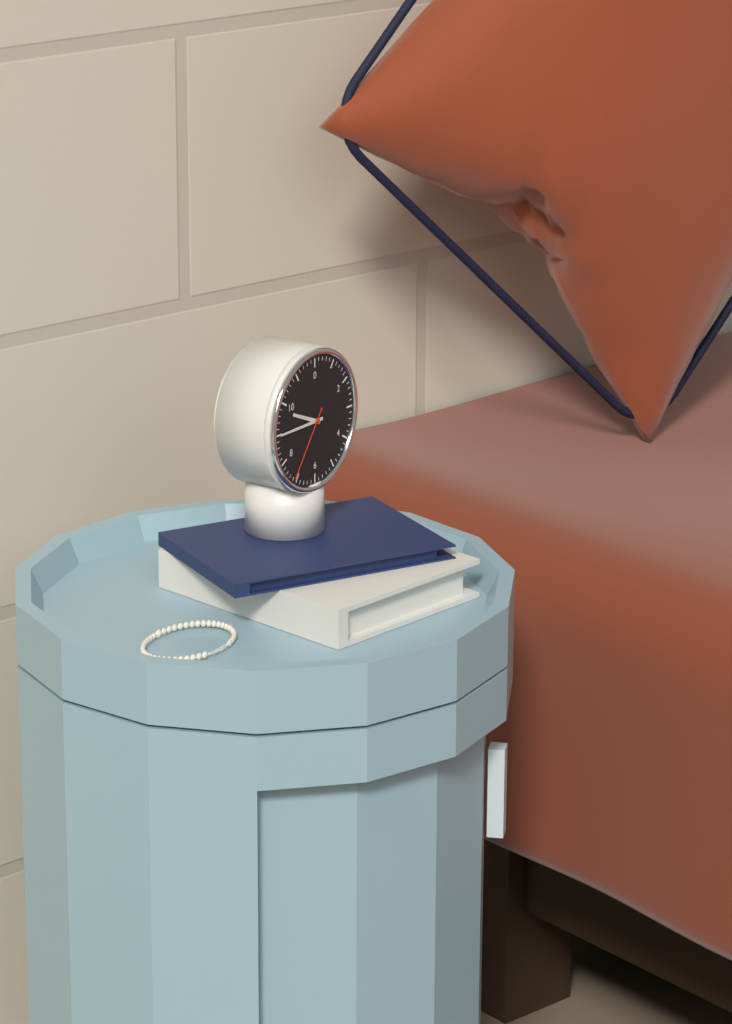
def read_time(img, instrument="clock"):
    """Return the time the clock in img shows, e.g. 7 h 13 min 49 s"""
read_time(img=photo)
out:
9 h 45 min 36 s
